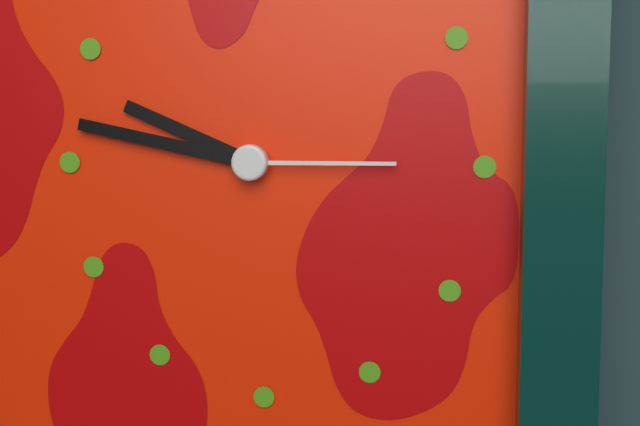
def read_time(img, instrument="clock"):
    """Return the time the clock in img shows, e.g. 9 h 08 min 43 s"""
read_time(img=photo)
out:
9 h 47 min 15 s
